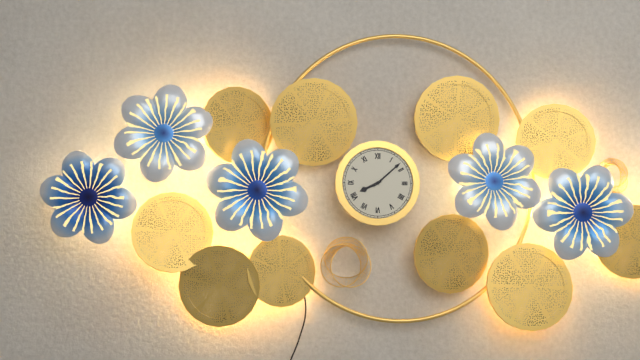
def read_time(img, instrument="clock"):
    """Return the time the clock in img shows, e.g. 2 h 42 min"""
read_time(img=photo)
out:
8 h 08 min
